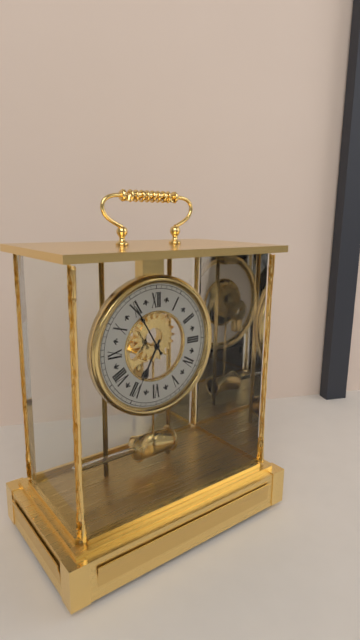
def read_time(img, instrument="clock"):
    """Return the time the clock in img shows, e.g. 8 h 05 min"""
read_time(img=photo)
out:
6 h 55 min
